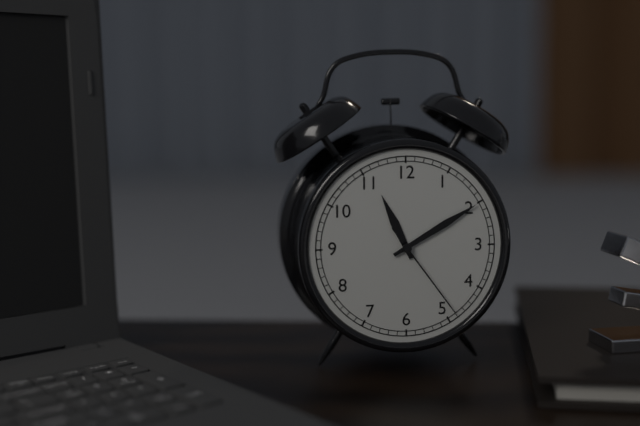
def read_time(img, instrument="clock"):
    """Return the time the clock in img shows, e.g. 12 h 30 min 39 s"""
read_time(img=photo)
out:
11 h 10 min 24 s
